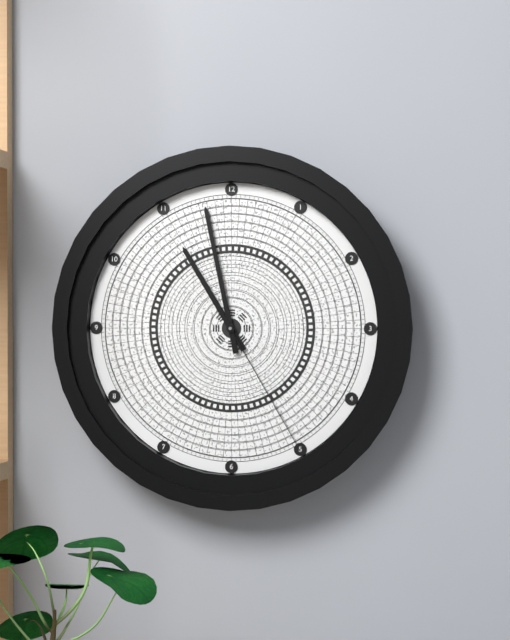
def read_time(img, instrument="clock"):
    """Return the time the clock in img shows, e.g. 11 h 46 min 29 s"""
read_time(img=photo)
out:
10 h 58 min 25 s
